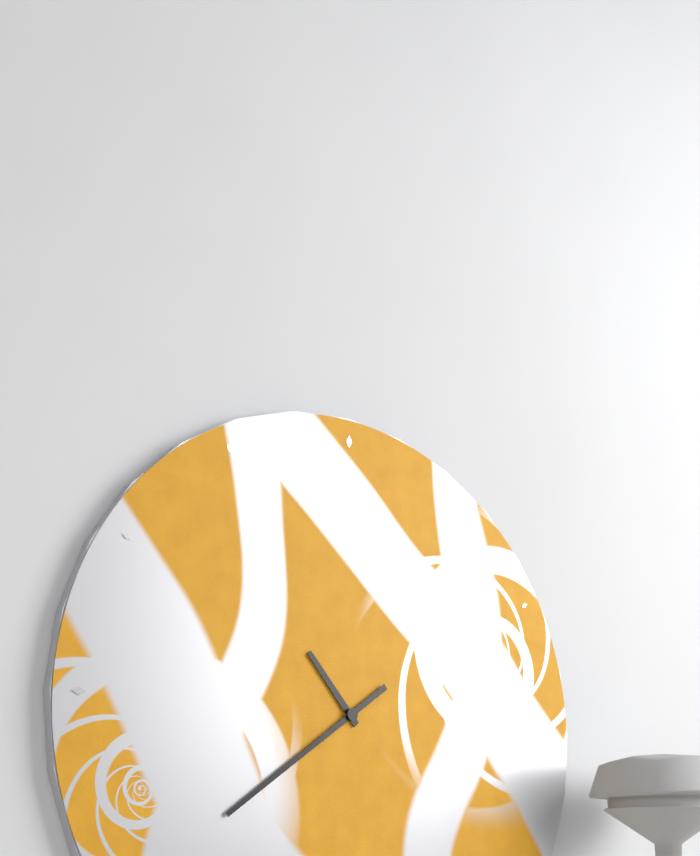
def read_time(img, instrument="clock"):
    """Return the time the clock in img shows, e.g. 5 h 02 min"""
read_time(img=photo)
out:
10 h 39 min
